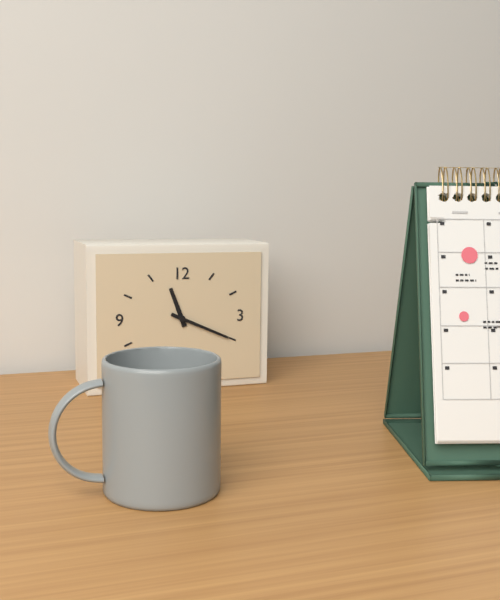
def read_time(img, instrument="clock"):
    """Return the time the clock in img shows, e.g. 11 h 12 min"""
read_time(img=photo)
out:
11 h 19 min
